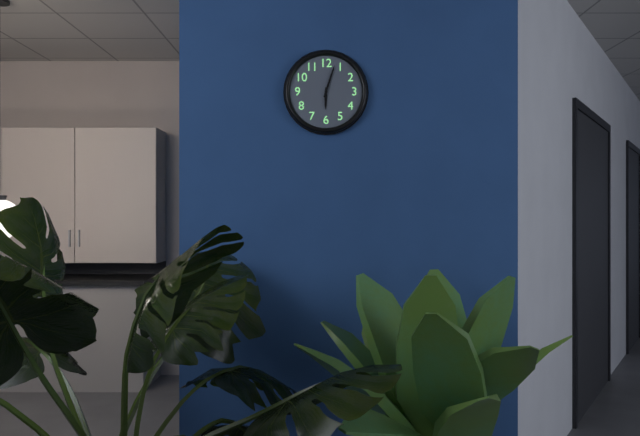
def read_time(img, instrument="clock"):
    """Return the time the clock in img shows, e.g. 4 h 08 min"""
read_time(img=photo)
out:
6 h 03 min
